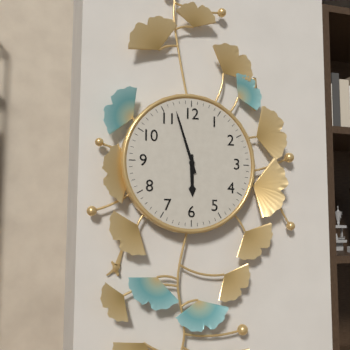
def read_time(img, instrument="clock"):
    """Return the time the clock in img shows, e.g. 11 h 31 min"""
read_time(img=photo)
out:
5 h 57 min
